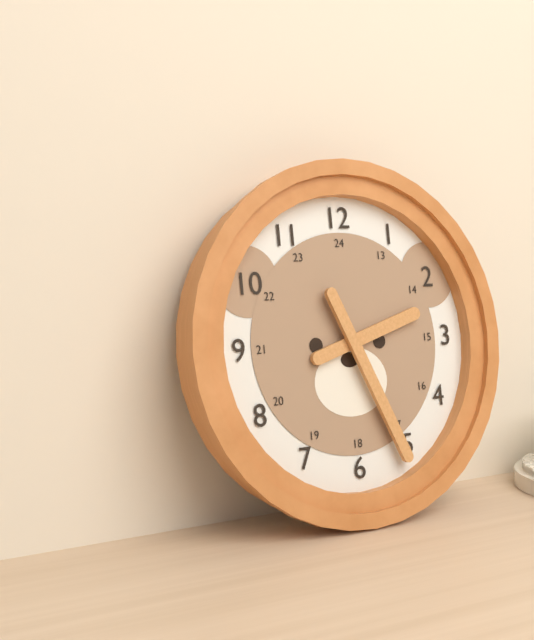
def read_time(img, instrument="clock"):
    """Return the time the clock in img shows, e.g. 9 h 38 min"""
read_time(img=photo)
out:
2 h 26 min
